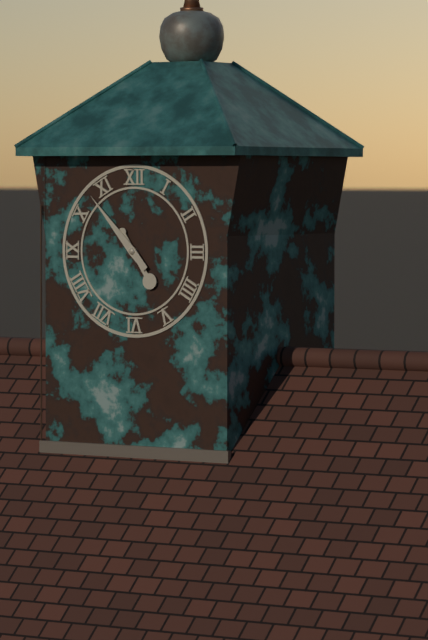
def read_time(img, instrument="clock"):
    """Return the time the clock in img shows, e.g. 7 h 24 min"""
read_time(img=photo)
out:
4 h 53 min
